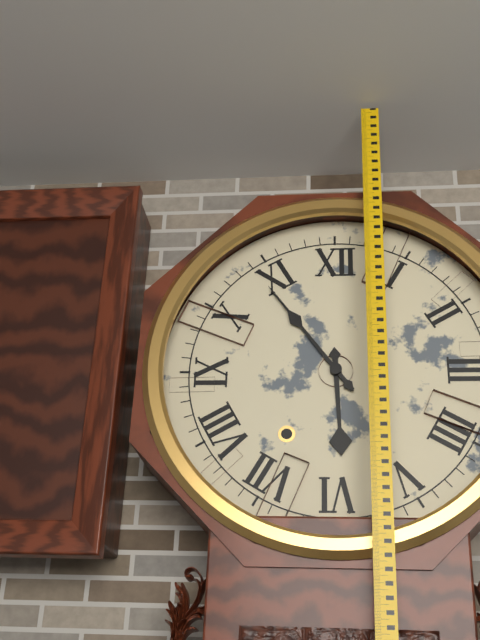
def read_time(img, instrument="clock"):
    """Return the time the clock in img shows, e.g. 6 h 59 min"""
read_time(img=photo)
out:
5 h 54 min
